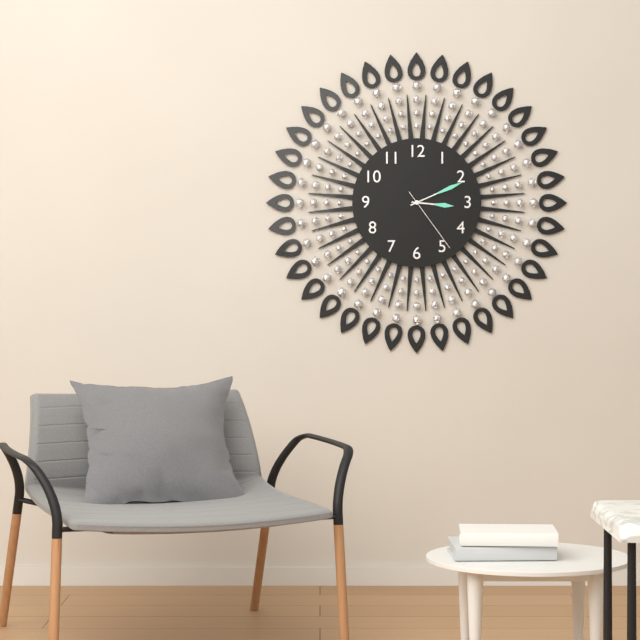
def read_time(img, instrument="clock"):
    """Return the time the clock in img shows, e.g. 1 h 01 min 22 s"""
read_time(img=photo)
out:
3 h 11 min 24 s
